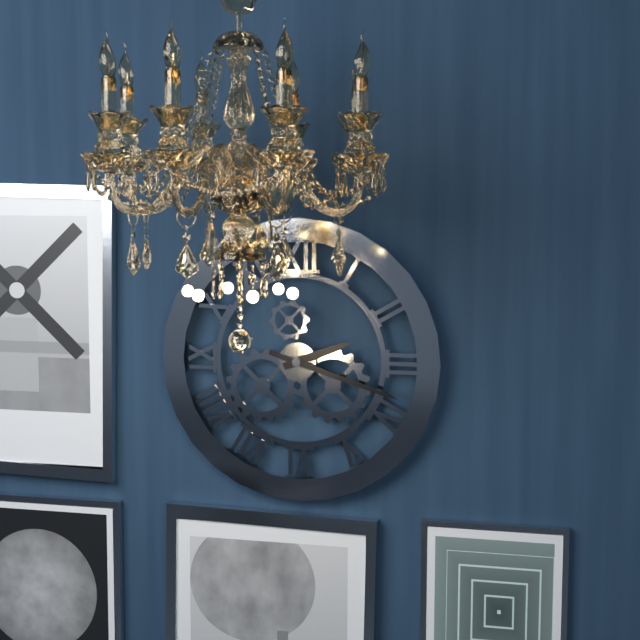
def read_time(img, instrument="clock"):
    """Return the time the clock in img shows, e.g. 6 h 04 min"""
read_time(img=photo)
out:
2 h 18 min
